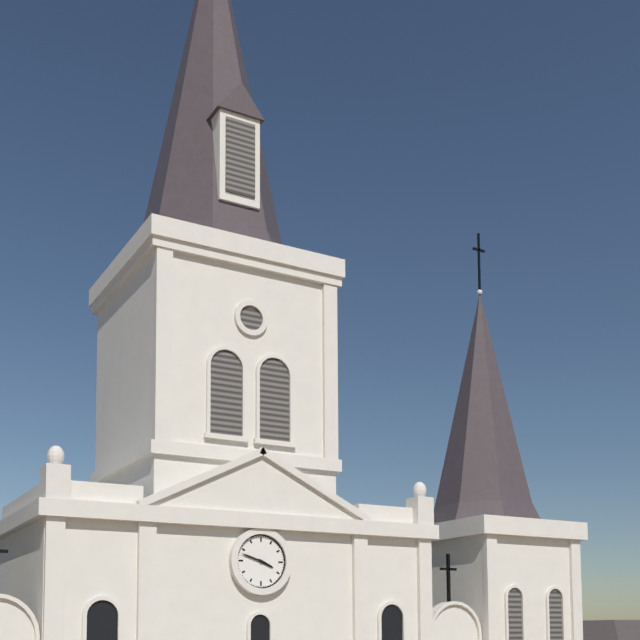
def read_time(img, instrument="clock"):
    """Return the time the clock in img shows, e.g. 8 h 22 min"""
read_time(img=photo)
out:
3 h 48 min
